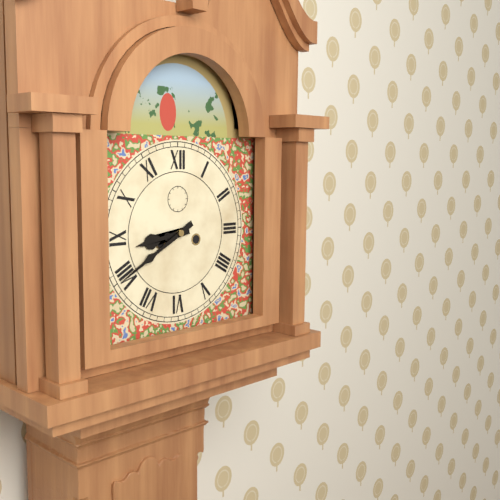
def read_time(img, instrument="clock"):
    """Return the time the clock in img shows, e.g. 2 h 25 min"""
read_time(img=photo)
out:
8 h 40 min
